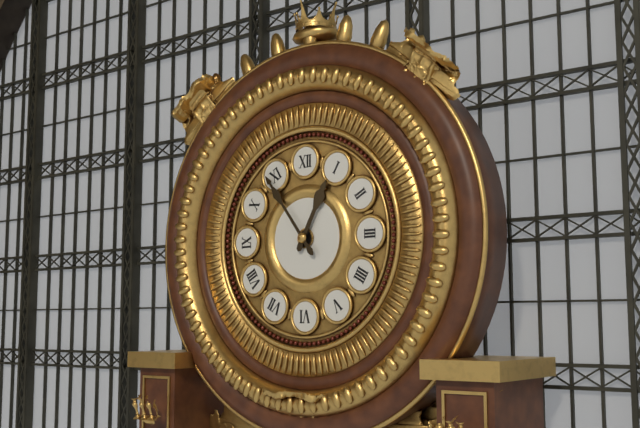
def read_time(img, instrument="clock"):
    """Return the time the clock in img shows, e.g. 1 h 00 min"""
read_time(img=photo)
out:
12 h 54 min
